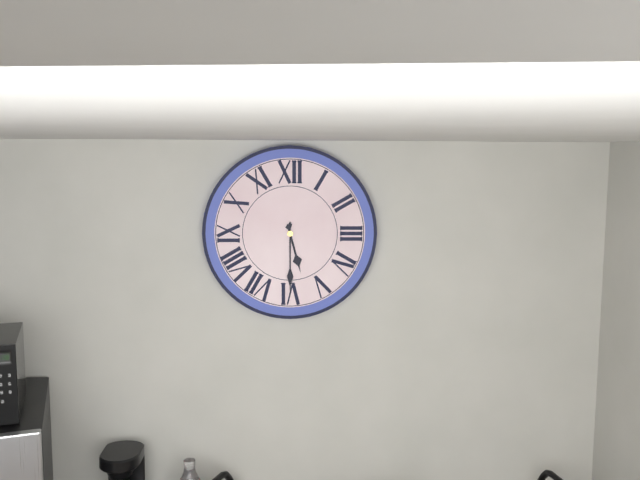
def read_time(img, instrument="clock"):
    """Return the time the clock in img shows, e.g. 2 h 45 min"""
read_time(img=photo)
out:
5 h 30 min
